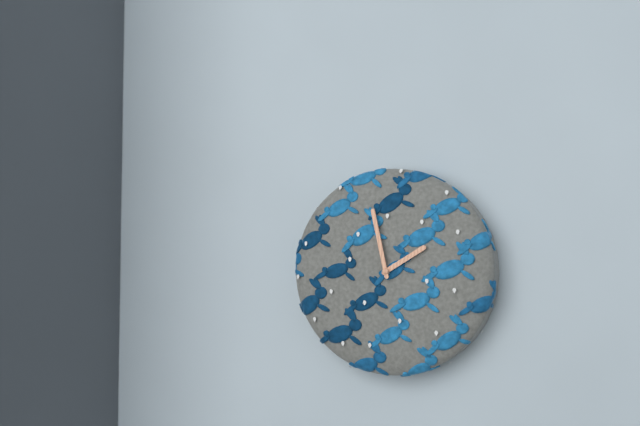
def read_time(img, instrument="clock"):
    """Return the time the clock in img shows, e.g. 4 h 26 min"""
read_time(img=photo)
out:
1 h 58 min
